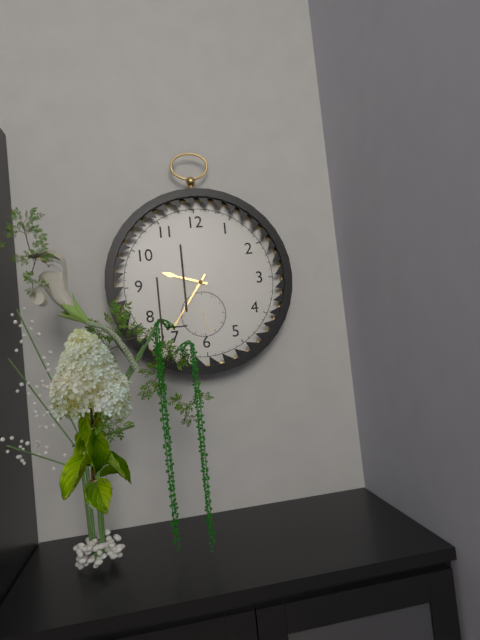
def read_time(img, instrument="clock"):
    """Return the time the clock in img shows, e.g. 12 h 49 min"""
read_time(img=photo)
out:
9 h 36 min
